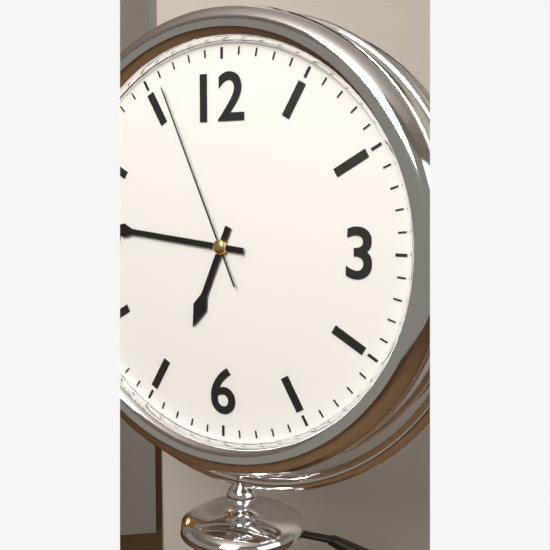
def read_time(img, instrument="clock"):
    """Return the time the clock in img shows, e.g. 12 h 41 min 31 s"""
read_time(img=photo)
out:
6 h 46 min 56 s
